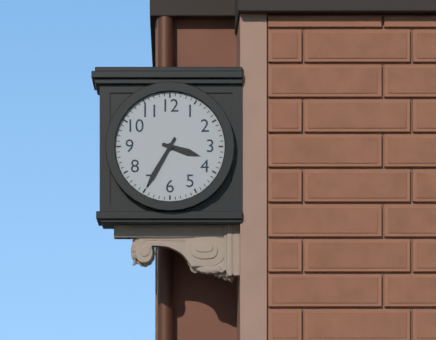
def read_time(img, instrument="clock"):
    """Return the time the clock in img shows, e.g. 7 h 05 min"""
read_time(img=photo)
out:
3 h 35 min
